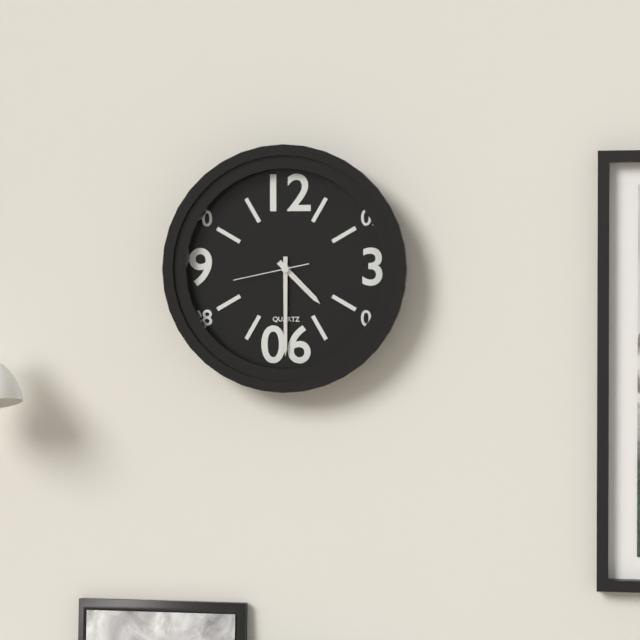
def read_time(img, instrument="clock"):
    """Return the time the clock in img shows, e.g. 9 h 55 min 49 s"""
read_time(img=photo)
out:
4 h 30 min 43 s
